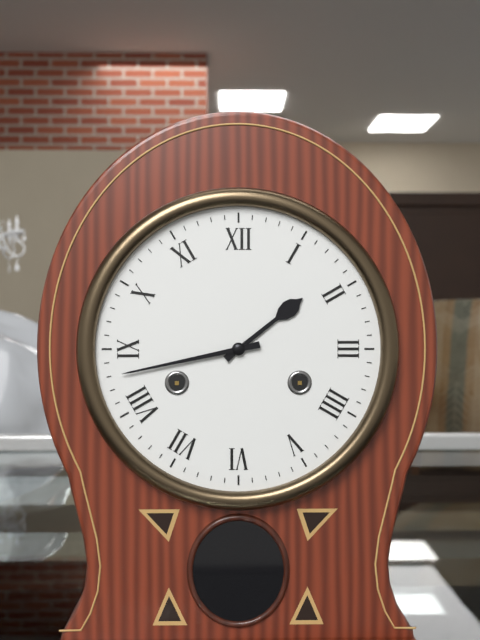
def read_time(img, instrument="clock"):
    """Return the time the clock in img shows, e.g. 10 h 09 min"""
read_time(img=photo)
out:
1 h 43 min
